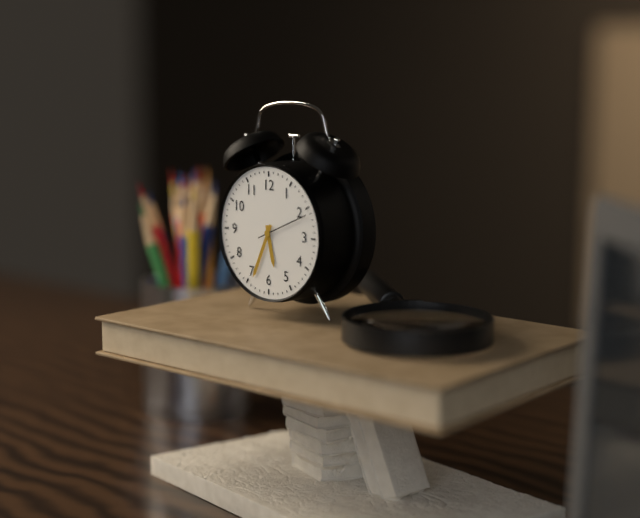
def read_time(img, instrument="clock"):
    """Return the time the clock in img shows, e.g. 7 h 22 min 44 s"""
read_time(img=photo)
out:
5 h 34 min 11 s
